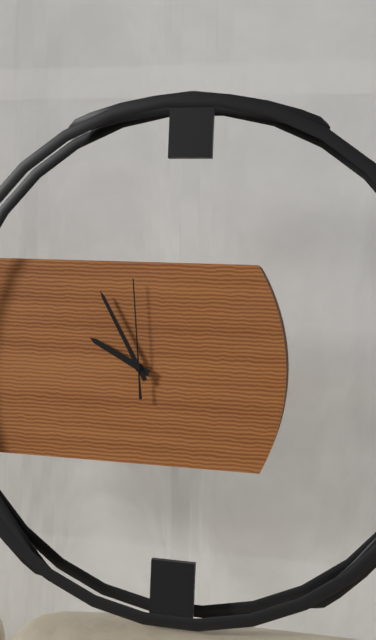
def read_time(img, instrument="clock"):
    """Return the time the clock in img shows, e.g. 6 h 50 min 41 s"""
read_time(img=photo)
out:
9 h 55 min 59 s
